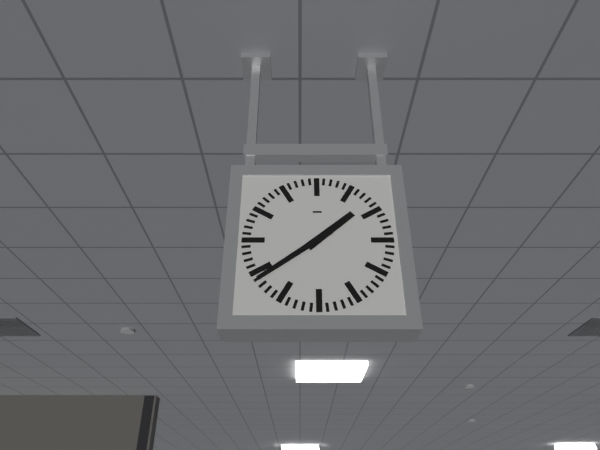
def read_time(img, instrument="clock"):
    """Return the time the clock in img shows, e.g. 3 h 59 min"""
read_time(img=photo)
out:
1 h 39 min
